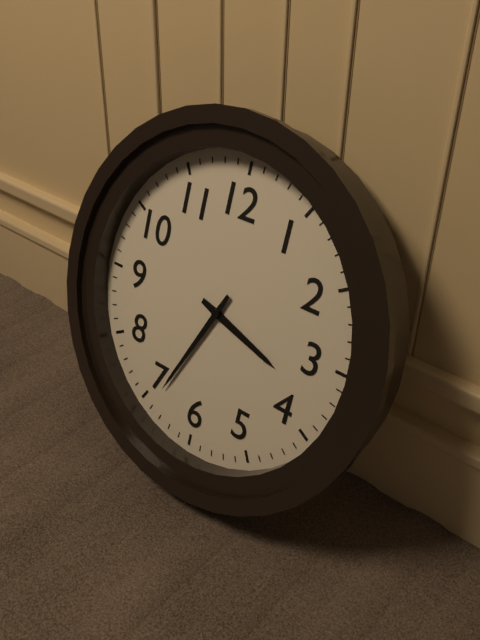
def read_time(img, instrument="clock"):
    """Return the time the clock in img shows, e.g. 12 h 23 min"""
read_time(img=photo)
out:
3 h 34 min
